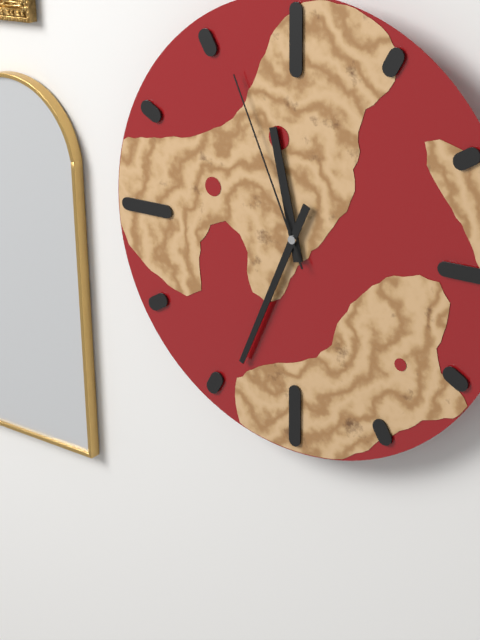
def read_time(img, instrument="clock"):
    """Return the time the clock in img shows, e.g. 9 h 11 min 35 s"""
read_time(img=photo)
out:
11 h 34 min 56 s
